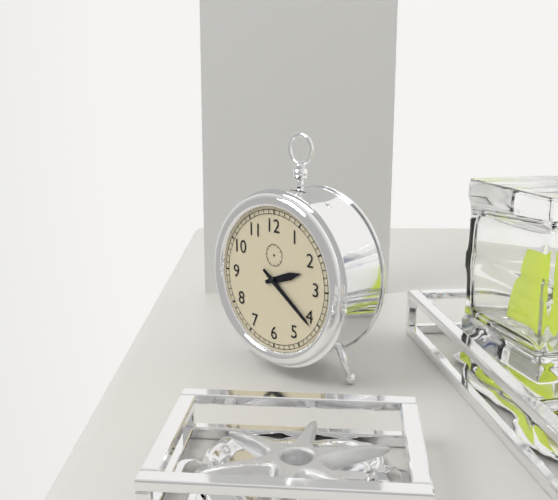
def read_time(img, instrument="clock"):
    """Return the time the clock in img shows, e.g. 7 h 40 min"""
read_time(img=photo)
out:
2 h 21 min
